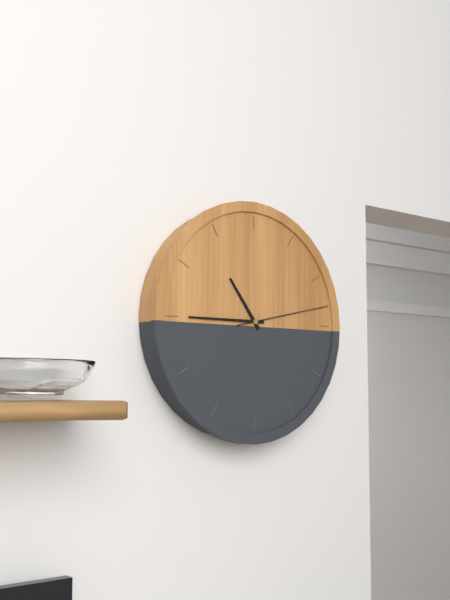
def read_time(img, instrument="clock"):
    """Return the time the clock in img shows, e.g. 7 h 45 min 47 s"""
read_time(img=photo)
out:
10 h 45 min 13 s
